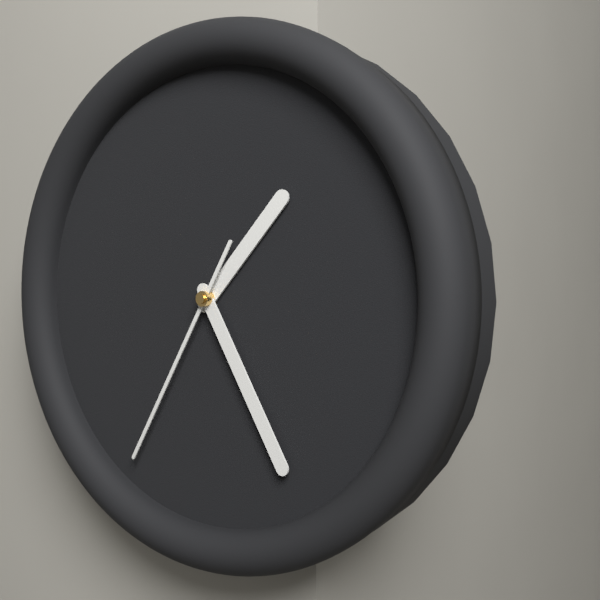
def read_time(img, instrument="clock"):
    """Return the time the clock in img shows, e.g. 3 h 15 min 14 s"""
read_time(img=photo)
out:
1 h 25 min 35 s
